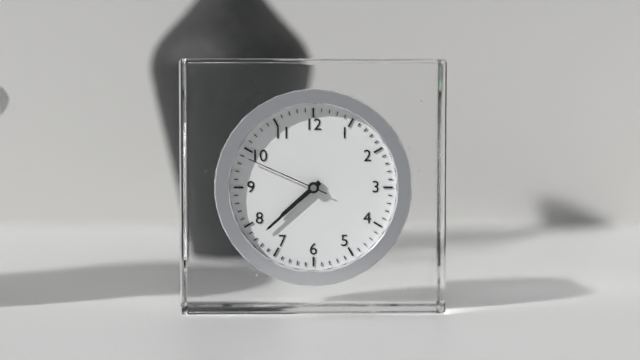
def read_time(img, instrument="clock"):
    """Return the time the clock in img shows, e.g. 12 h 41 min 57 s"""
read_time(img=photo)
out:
7 h 38 min 49 s
